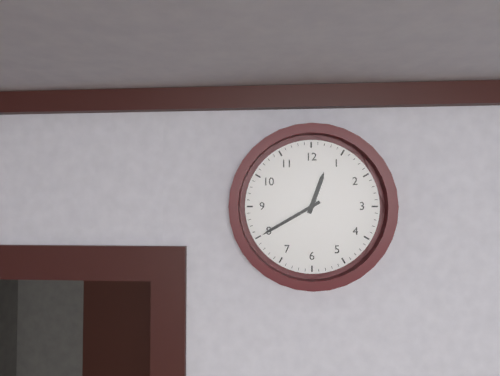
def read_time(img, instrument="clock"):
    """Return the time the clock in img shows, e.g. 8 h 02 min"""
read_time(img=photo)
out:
12 h 40 min
